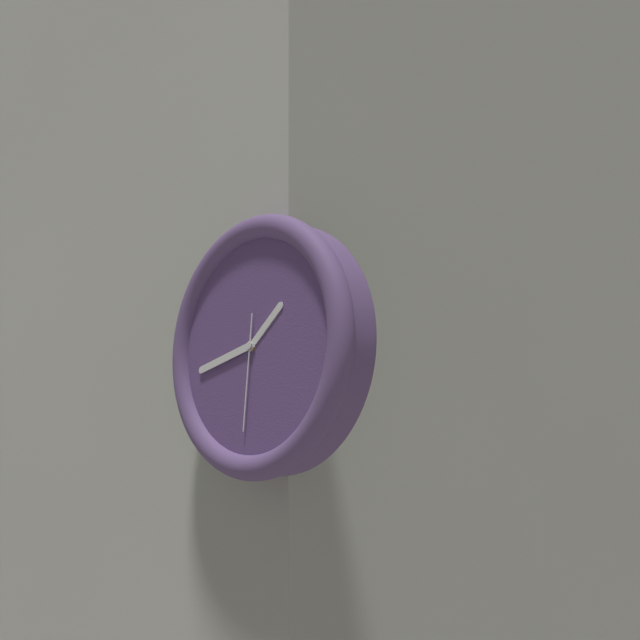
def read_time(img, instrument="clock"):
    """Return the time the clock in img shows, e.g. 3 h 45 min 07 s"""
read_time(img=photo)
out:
1 h 43 min 31 s
